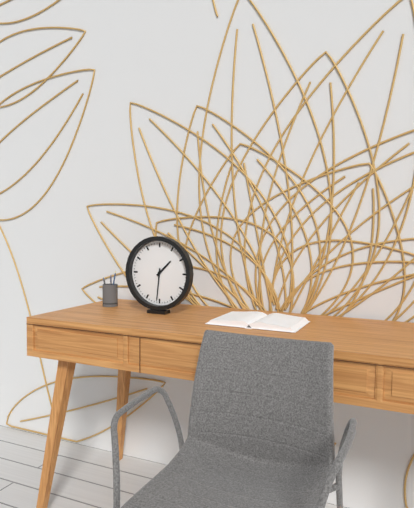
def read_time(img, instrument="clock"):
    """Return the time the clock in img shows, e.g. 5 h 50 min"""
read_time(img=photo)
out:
1 h 31 min
